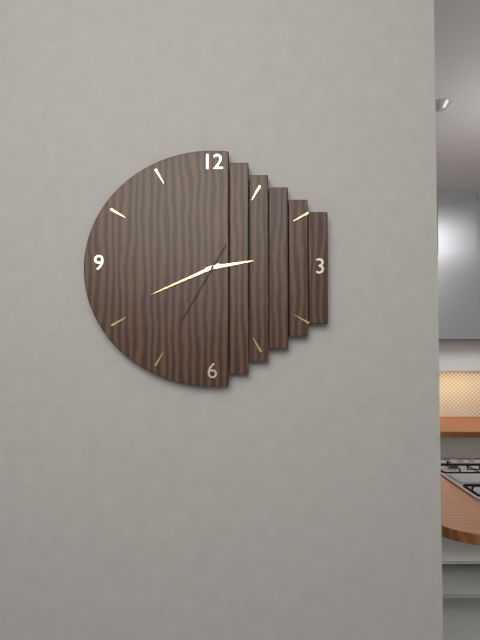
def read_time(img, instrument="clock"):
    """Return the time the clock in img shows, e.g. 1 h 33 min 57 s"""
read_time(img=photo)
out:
2 h 41 min 35 s
